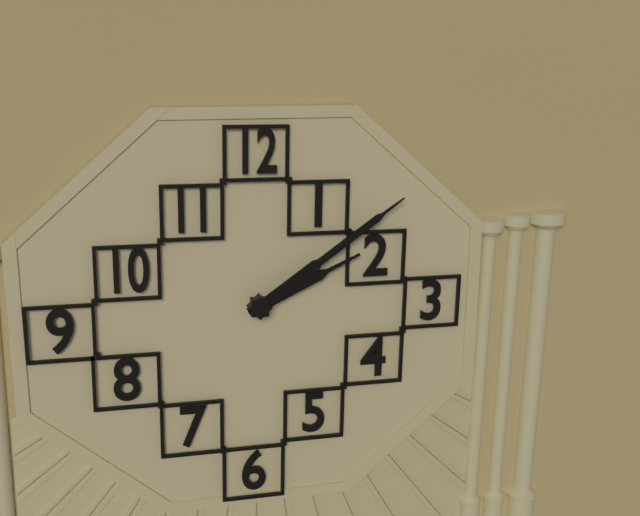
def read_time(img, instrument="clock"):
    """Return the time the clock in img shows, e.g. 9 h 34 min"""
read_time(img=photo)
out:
2 h 09 min
